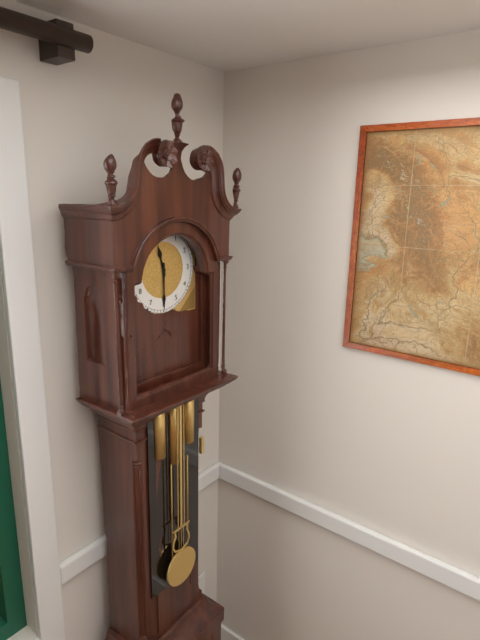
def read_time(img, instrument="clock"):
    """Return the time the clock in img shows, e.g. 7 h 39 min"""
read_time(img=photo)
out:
11 h 30 min
